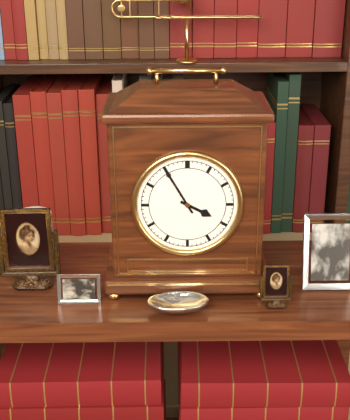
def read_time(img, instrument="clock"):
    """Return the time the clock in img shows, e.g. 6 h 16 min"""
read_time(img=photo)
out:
3 h 55 min
